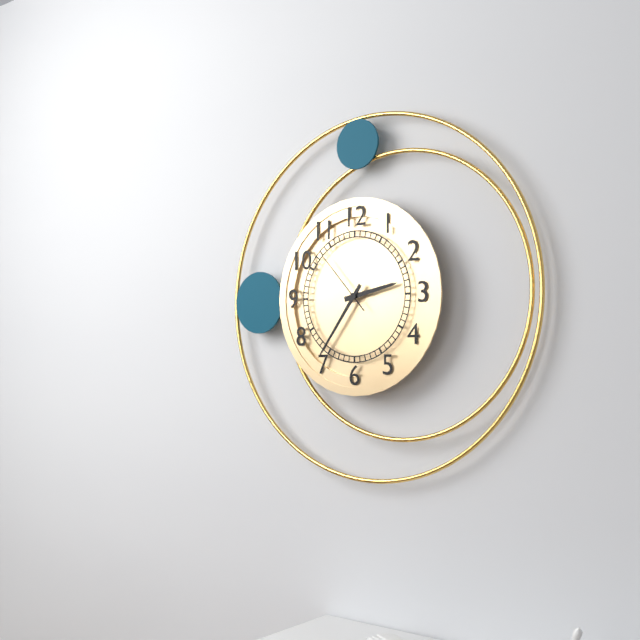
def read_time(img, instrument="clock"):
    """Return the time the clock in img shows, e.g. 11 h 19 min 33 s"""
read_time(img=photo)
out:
2 h 36 min 53 s
